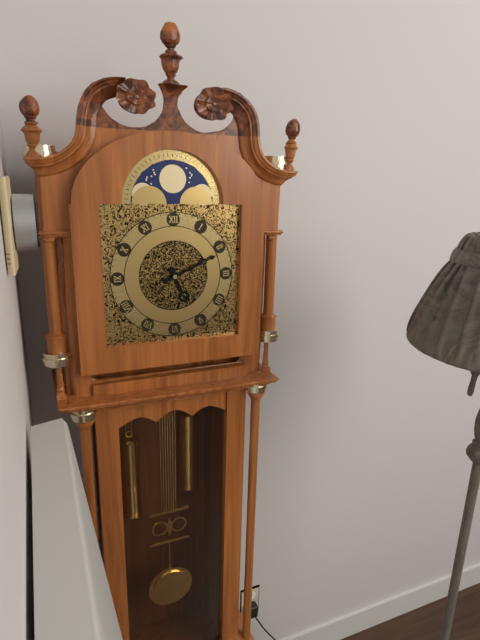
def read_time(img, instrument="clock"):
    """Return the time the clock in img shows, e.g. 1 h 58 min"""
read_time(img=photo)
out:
5 h 11 min
